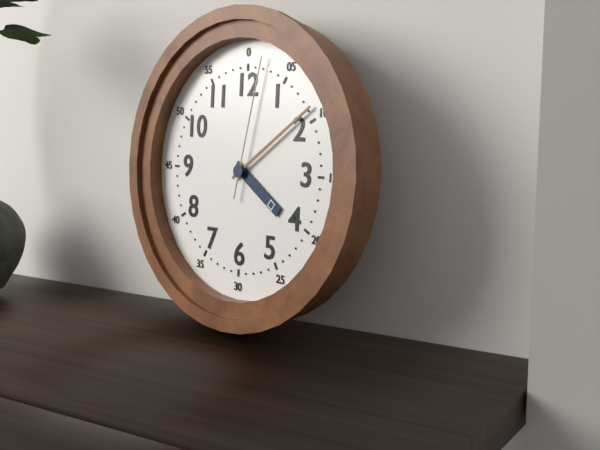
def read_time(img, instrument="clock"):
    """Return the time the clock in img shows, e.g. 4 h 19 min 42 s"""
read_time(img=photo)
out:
4 h 09 min 02 s
